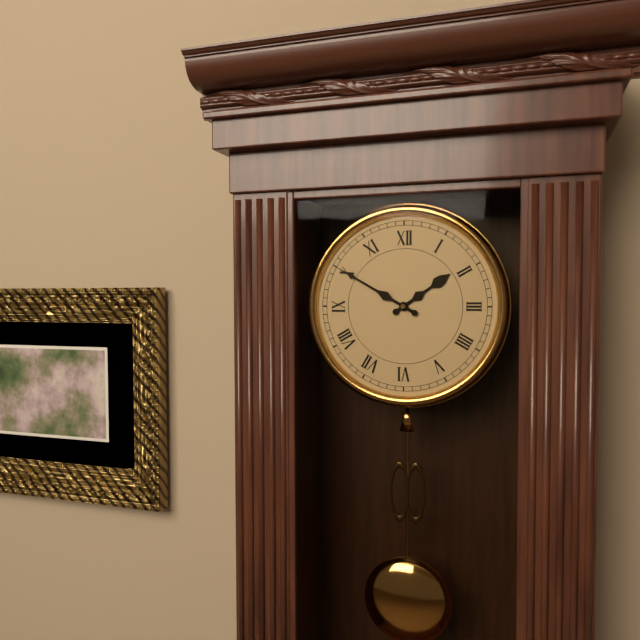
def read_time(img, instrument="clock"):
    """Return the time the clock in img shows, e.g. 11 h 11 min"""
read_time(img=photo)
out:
1 h 50 min
